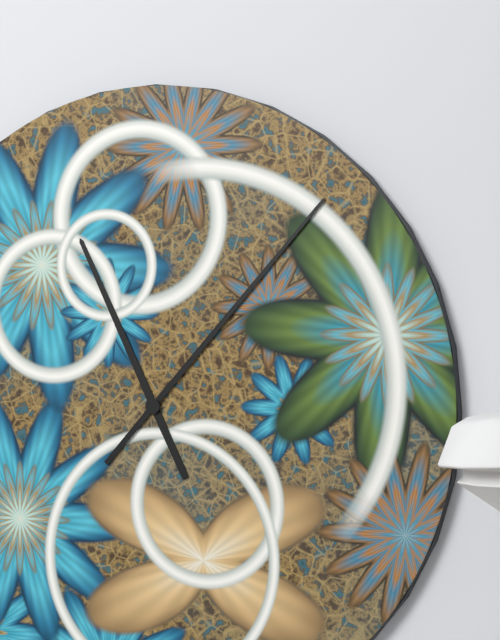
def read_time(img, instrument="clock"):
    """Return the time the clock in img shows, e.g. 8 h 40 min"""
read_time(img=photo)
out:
11 h 07 min
